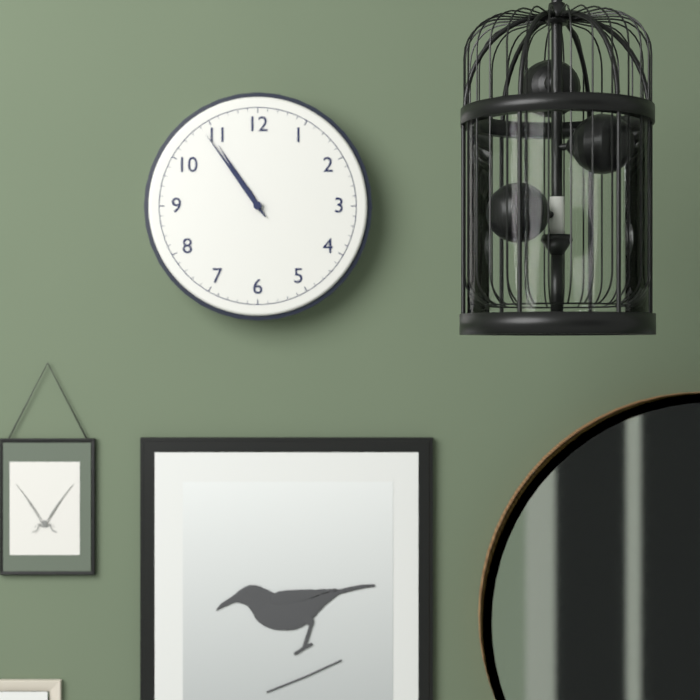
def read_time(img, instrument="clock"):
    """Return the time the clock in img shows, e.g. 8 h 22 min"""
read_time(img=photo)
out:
10 h 54 min
